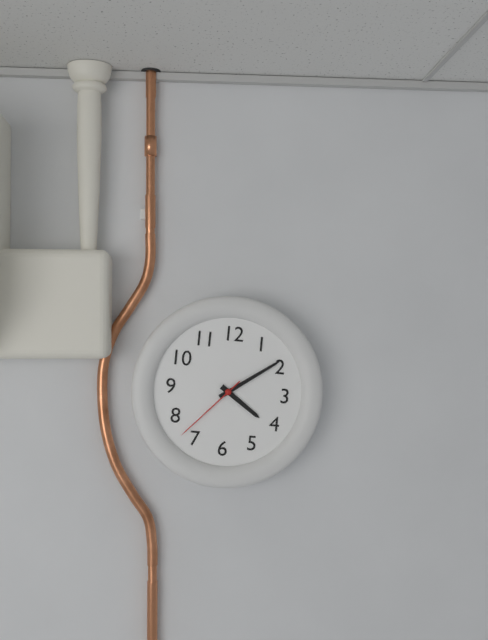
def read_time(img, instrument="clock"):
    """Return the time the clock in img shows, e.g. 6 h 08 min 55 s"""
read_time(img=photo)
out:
4 h 09 min 37 s
